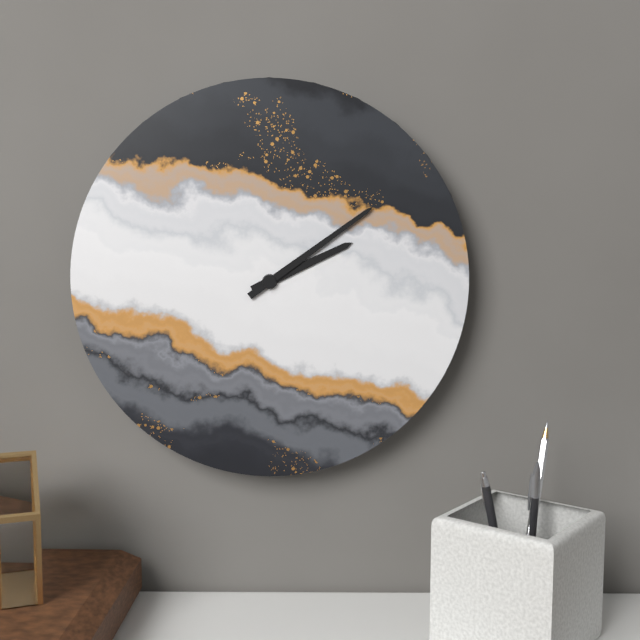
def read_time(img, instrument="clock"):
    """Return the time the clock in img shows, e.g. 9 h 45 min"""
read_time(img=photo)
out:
2 h 09 min
